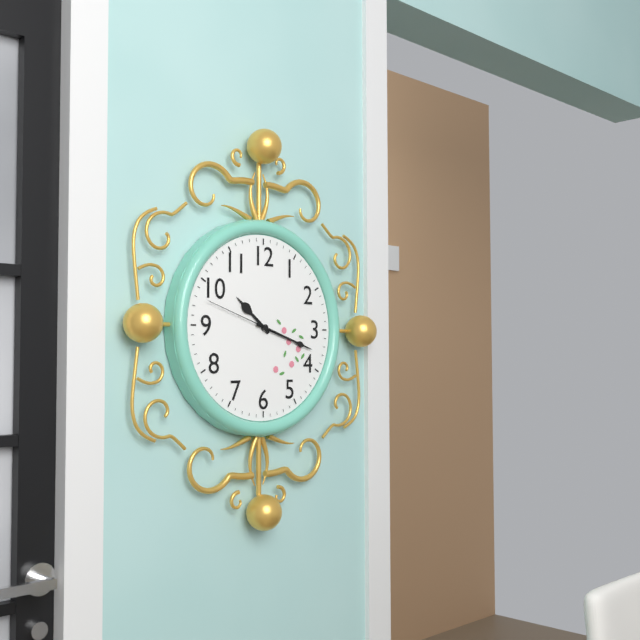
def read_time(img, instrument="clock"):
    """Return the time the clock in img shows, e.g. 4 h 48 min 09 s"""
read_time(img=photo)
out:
10 h 18 min 48 s
